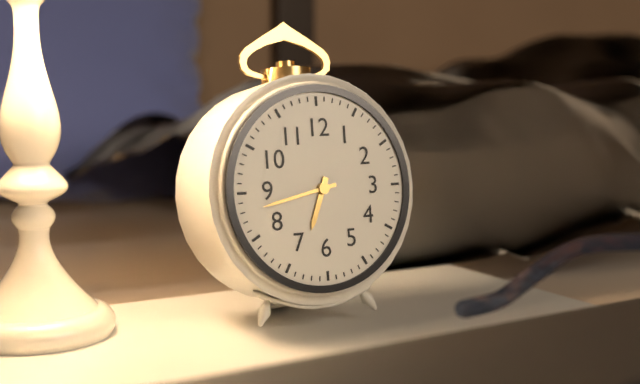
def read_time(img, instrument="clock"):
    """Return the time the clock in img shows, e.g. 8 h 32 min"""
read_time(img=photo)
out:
6 h 43 min
